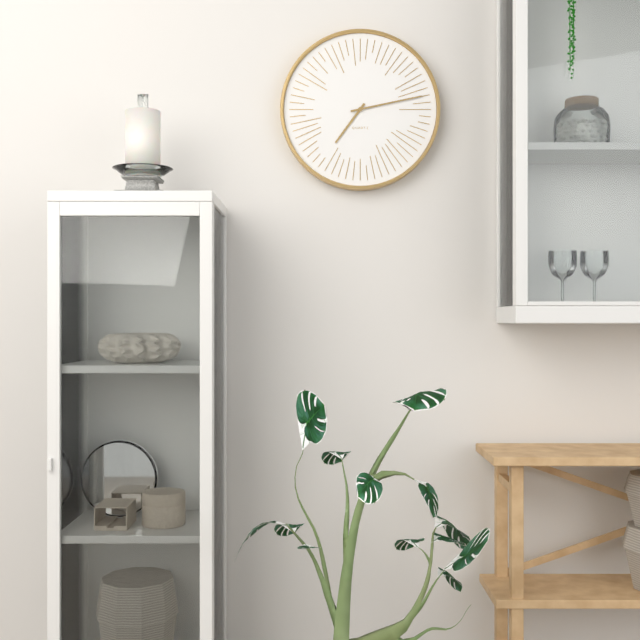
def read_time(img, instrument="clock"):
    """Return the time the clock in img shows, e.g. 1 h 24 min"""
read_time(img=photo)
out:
7 h 13 min
